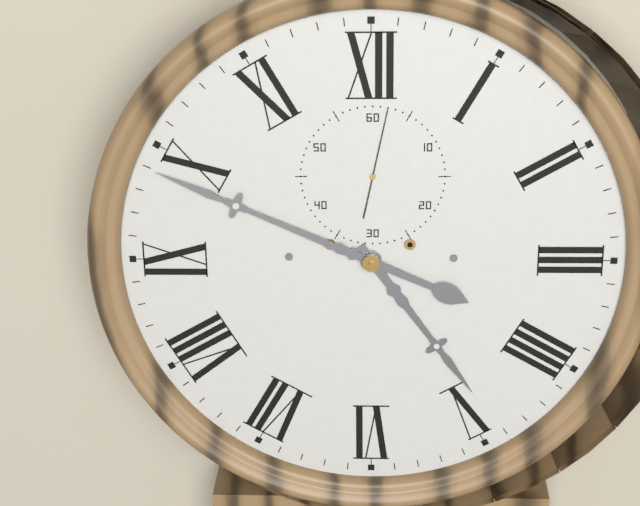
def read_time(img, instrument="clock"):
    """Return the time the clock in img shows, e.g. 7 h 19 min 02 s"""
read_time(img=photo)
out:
4 h 49 min 02 s
